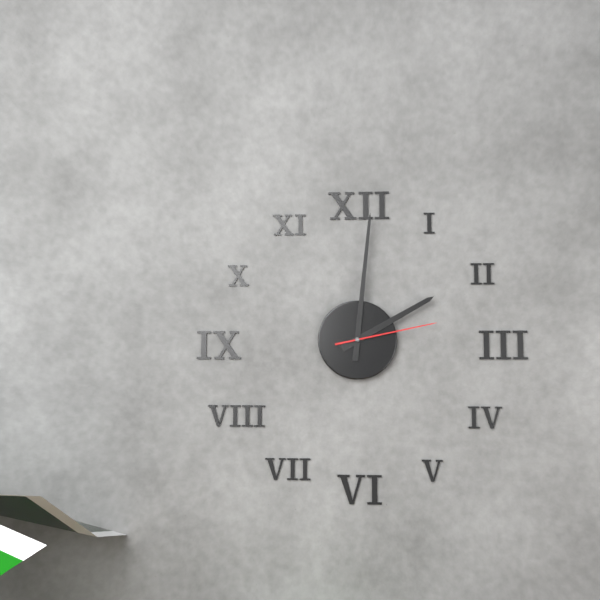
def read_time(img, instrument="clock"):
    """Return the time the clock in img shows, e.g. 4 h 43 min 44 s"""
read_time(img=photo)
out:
2 h 01 min 13 s
